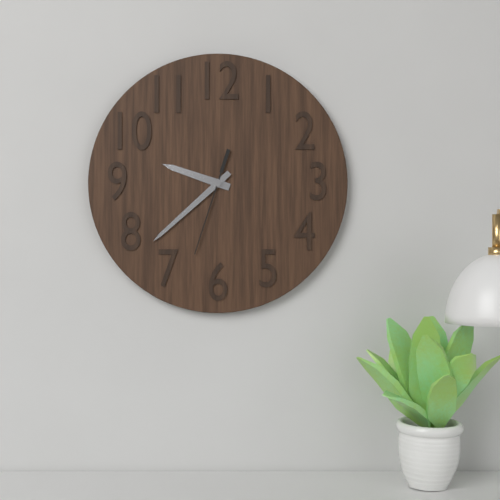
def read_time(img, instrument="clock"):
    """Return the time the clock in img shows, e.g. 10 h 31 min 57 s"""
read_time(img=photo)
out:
9 h 38 min 33 s
